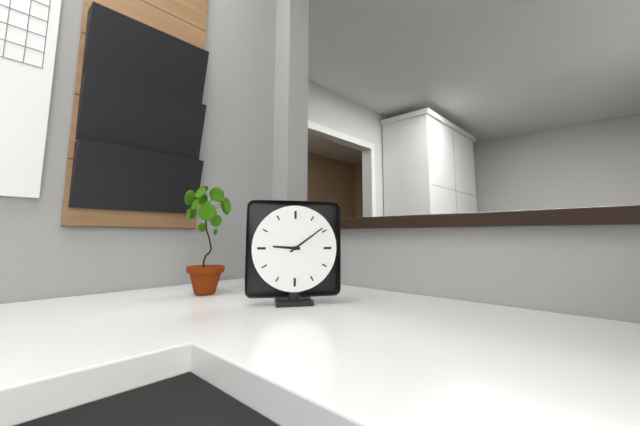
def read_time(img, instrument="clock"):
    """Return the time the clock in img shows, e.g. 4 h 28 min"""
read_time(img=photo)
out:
9 h 09 min
